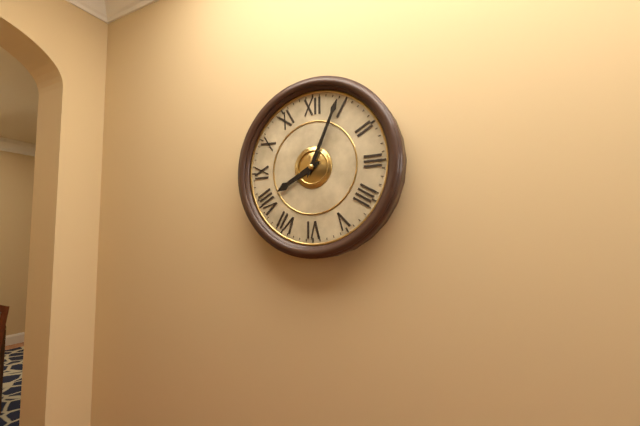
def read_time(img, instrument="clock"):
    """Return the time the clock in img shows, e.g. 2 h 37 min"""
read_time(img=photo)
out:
8 h 04 min
